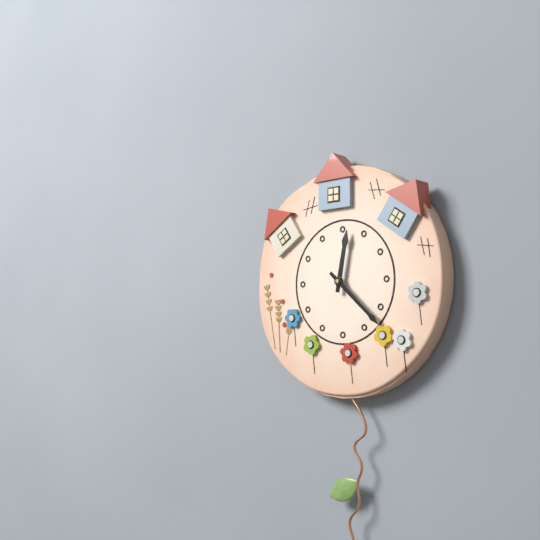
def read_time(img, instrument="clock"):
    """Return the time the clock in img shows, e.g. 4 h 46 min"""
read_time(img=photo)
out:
12 h 22 min
